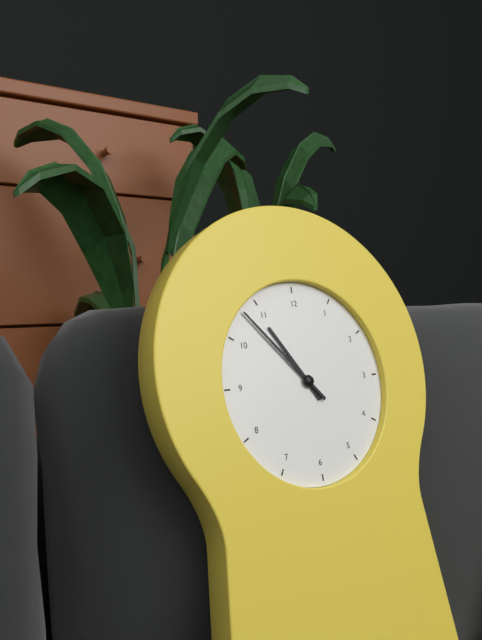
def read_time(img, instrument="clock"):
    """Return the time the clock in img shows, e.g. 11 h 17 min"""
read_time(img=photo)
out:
10 h 53 min
